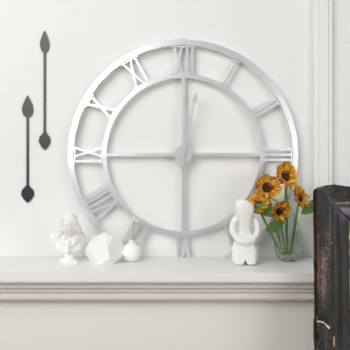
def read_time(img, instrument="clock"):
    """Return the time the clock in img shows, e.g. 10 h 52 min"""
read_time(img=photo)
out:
12 h 02 min
